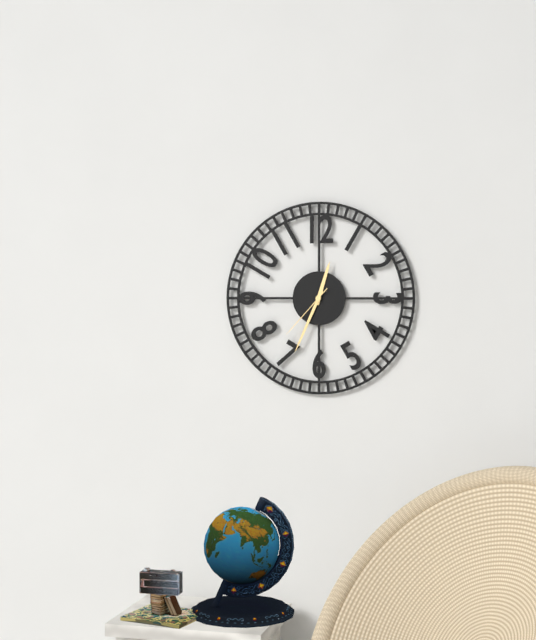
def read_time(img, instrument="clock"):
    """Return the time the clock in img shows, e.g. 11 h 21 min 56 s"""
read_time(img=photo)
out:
12 h 34 min 37 s
